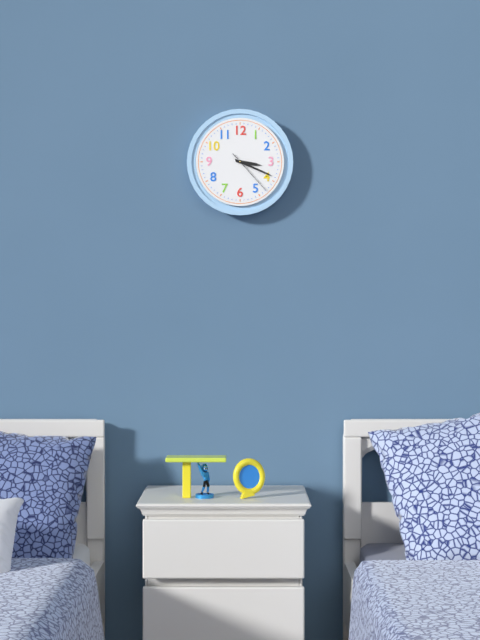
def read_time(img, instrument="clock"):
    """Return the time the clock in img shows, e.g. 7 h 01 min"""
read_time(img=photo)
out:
3 h 19 min
